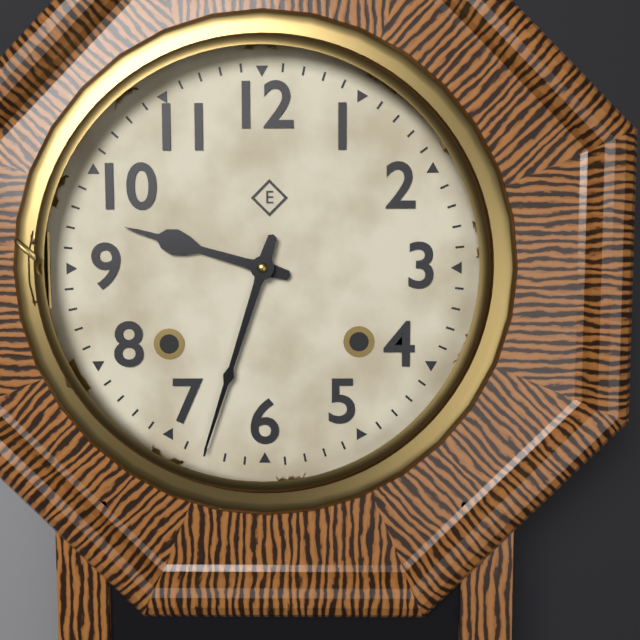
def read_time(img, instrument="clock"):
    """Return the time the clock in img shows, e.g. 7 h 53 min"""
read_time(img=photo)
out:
9 h 33 min
